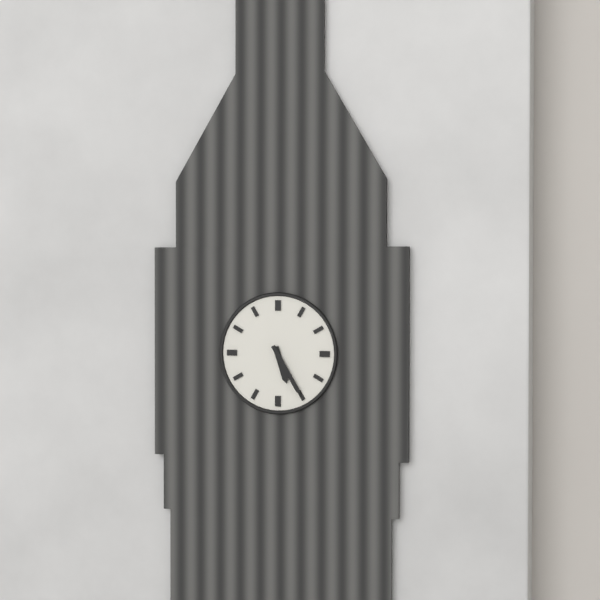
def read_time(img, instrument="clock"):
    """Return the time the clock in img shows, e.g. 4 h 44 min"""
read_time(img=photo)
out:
5 h 25 min
